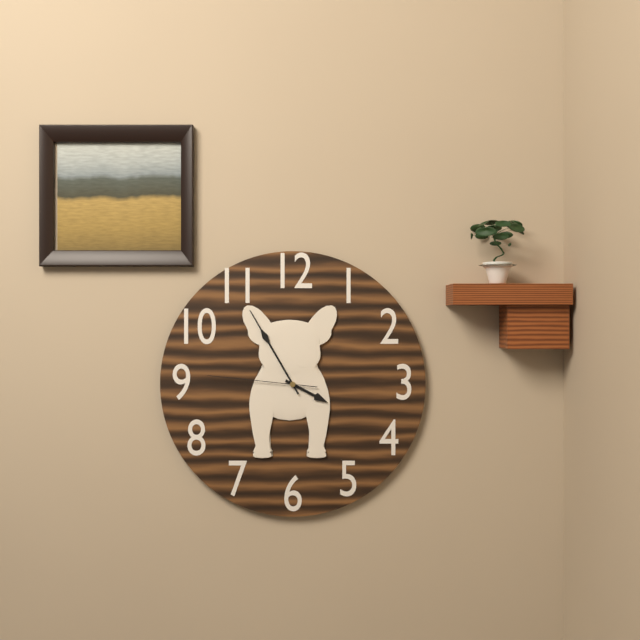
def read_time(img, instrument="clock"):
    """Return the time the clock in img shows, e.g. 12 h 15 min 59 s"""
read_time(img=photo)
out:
3 h 55 min 46 s
